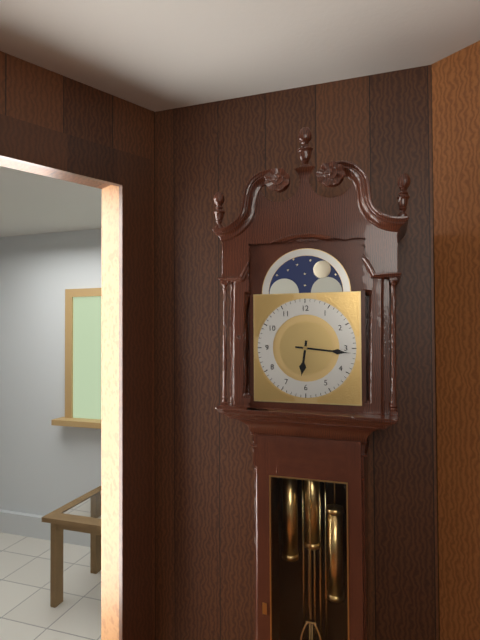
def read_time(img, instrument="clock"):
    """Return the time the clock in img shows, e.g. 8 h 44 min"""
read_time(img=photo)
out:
6 h 16 min
